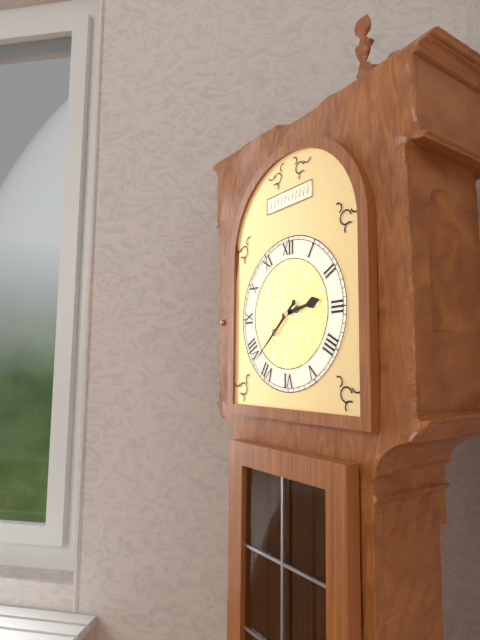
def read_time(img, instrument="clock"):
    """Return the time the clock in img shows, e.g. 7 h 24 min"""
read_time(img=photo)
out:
2 h 38 min
